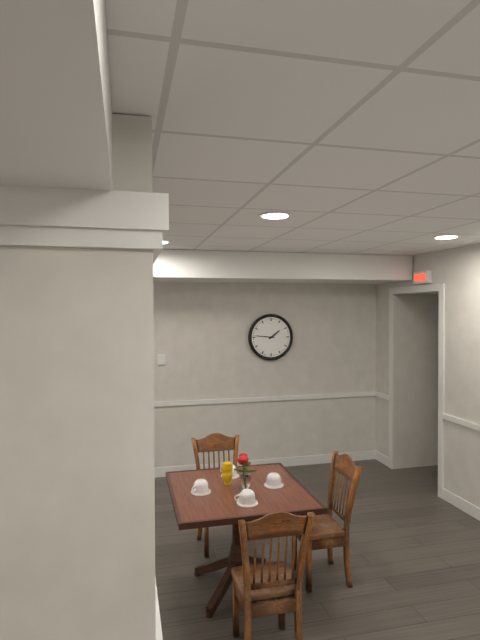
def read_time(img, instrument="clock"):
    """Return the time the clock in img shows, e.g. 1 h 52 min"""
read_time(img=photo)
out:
1 h 46 min
